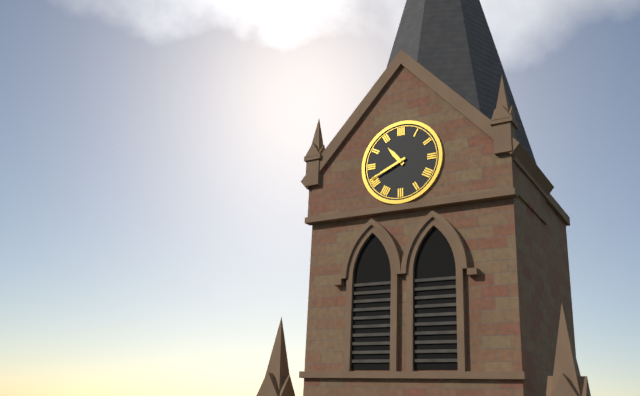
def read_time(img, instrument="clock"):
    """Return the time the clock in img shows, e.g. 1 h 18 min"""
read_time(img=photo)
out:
10 h 41 min
